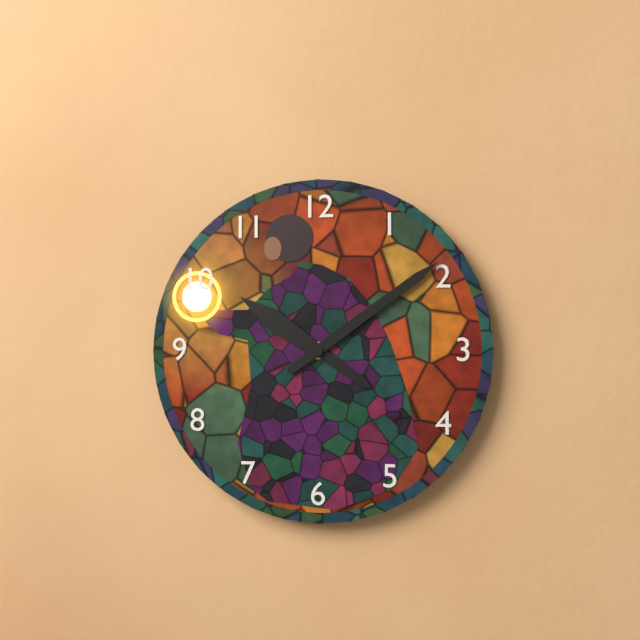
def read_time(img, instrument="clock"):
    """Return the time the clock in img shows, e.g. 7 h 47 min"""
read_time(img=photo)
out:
10 h 09 min
